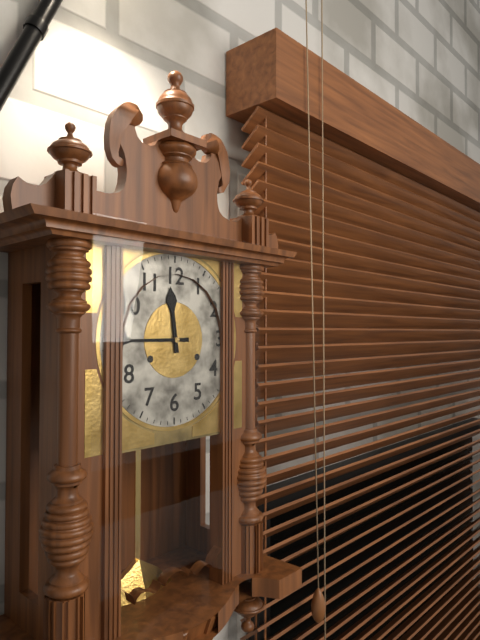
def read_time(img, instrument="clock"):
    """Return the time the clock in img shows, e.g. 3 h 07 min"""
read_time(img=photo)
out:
11 h 45 min
